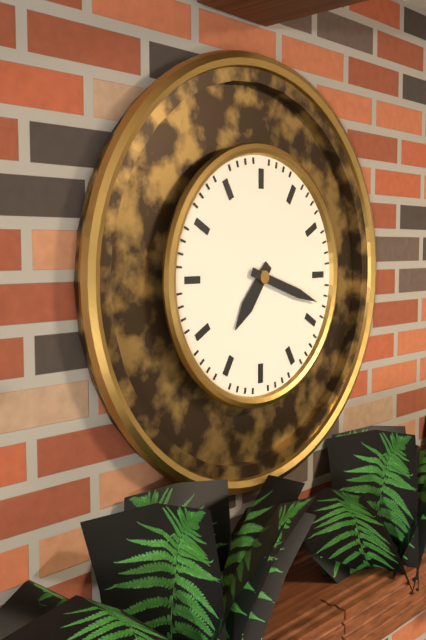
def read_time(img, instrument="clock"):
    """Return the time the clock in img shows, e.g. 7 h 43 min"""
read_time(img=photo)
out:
7 h 18 min
